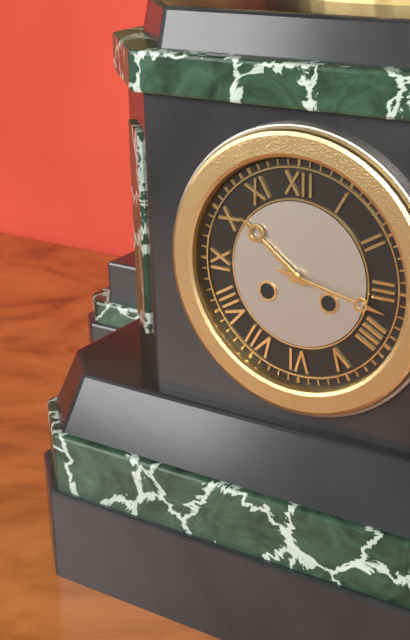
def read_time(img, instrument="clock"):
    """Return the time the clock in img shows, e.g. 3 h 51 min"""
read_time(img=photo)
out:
10 h 17 min
